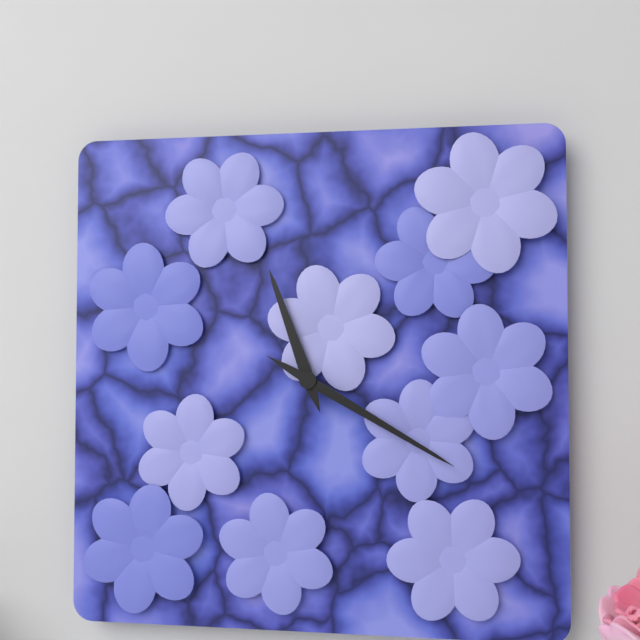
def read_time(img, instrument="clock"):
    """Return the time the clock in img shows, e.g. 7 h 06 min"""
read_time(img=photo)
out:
11 h 20 min
